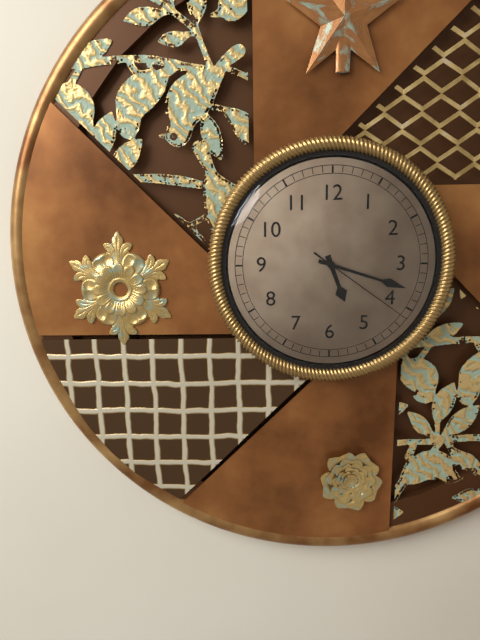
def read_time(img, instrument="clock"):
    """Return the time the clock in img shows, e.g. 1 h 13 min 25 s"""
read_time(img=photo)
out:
5 h 18 min 21 s
